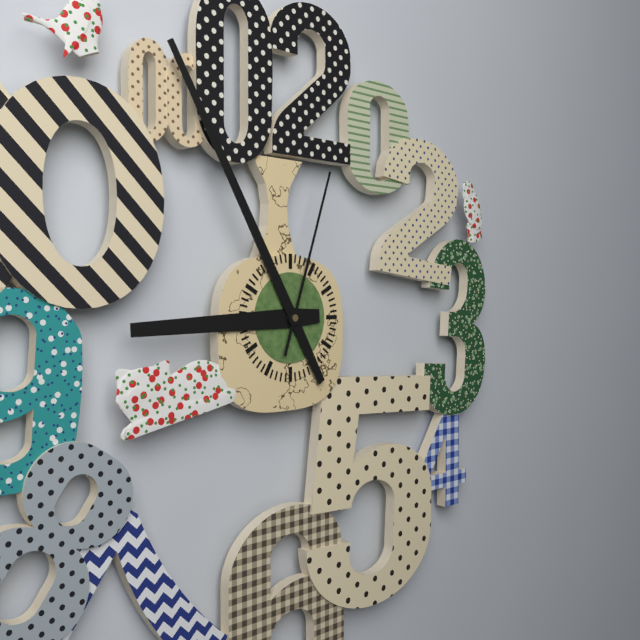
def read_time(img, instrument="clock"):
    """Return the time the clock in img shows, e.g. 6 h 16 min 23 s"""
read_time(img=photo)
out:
8 h 55 min 03 s
